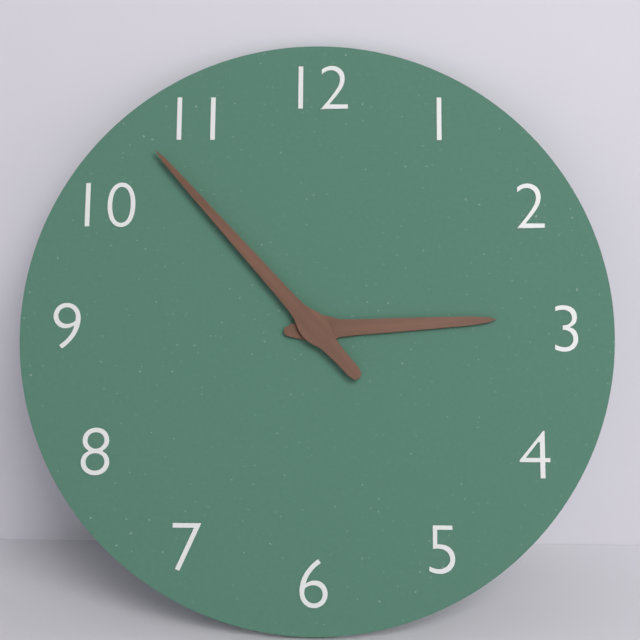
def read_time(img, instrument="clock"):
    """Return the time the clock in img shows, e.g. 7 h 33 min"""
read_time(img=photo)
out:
2 h 53 min
